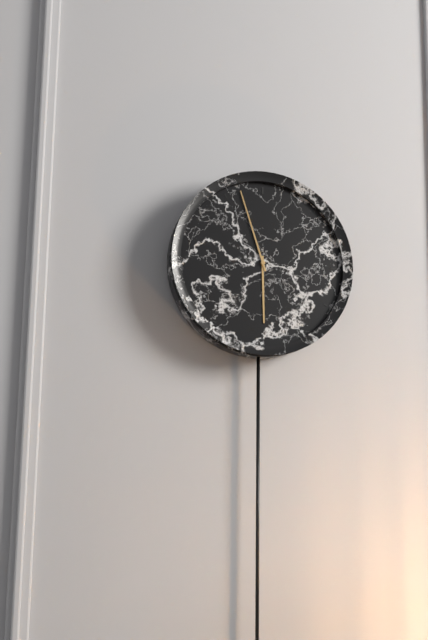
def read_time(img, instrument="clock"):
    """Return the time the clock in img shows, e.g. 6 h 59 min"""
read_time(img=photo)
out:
5 h 57 min
